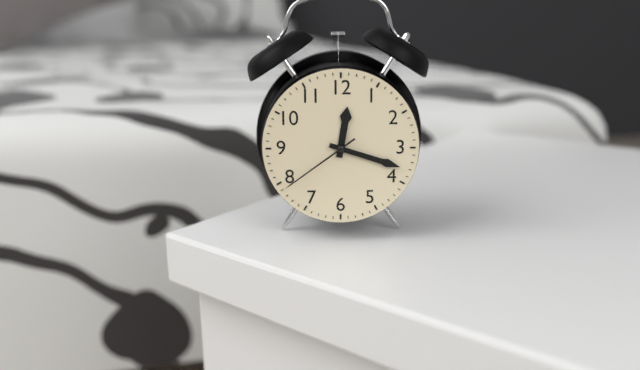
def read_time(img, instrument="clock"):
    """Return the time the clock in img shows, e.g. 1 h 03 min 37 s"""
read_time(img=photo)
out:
12 h 18 min 39 s
